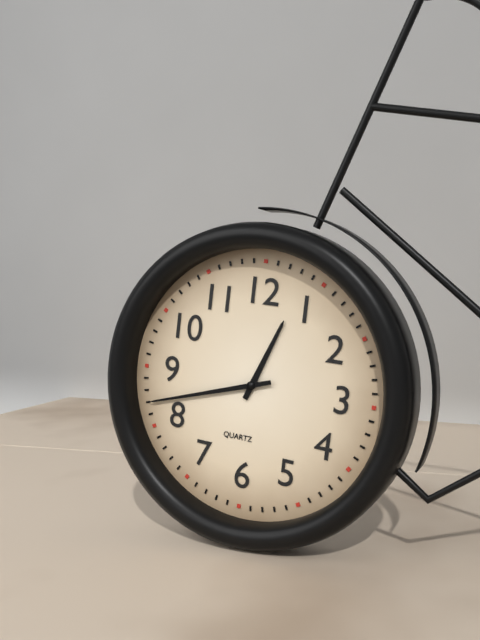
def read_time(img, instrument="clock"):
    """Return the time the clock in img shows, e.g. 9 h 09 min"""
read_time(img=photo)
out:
12 h 42 min
